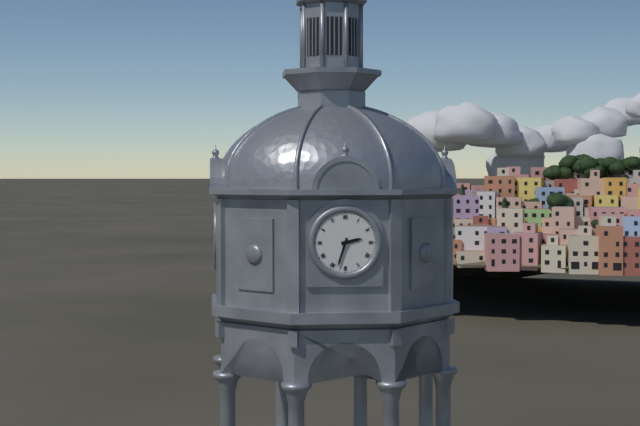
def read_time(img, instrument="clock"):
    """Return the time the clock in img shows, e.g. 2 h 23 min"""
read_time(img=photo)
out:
2 h 33 min
